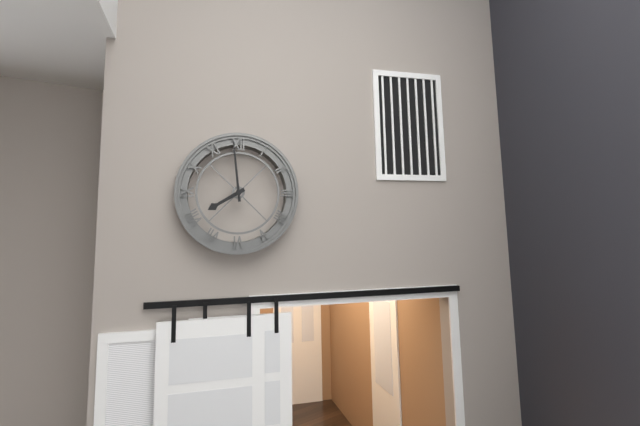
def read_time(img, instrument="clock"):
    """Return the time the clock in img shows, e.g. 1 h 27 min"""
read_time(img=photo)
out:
7 h 59 min
